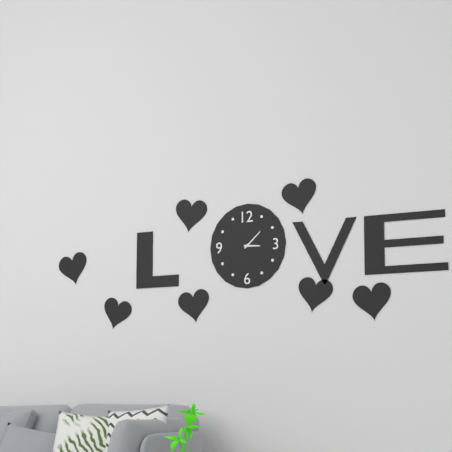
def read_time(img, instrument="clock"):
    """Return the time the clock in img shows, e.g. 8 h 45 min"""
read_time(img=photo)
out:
3 h 08 min
